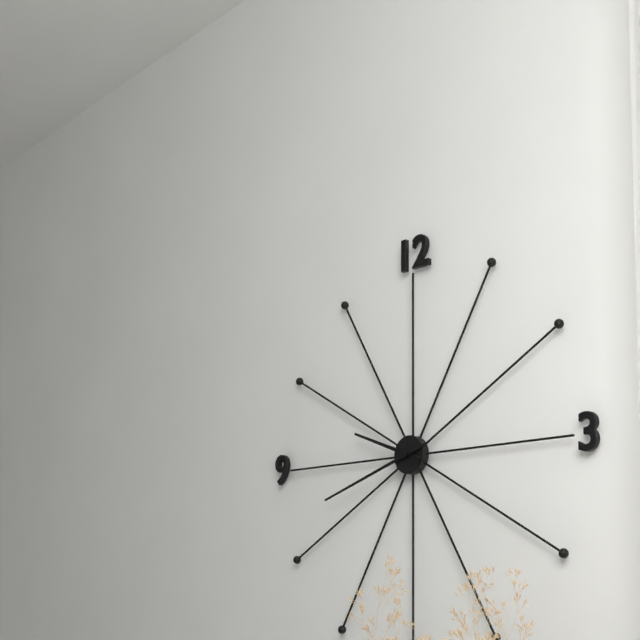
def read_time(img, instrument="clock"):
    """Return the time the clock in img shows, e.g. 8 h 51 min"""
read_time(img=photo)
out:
9 h 42 min
